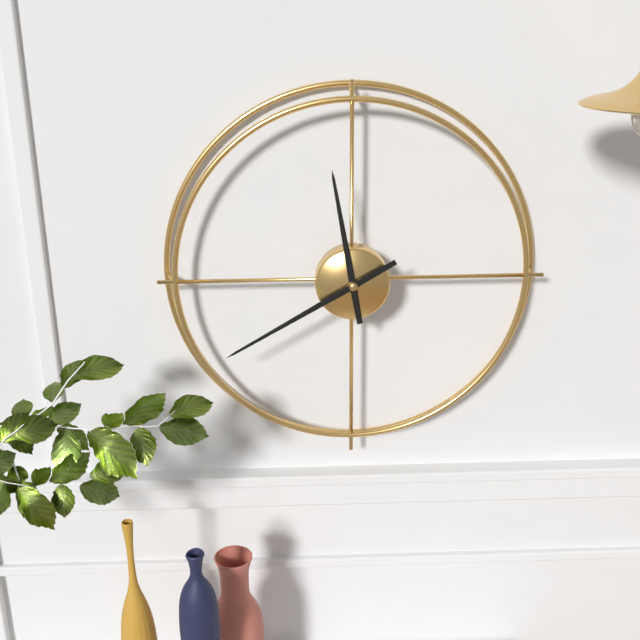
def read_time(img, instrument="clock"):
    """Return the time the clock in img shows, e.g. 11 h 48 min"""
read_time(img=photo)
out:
11 h 40 min
